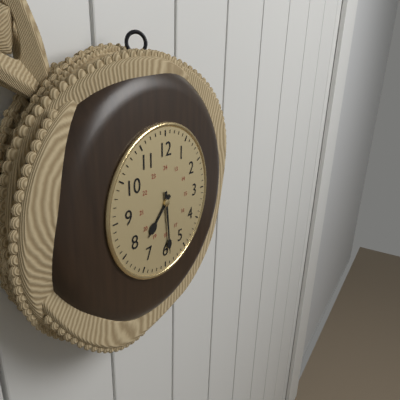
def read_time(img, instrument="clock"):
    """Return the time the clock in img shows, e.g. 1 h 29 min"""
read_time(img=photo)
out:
7 h 29 min
